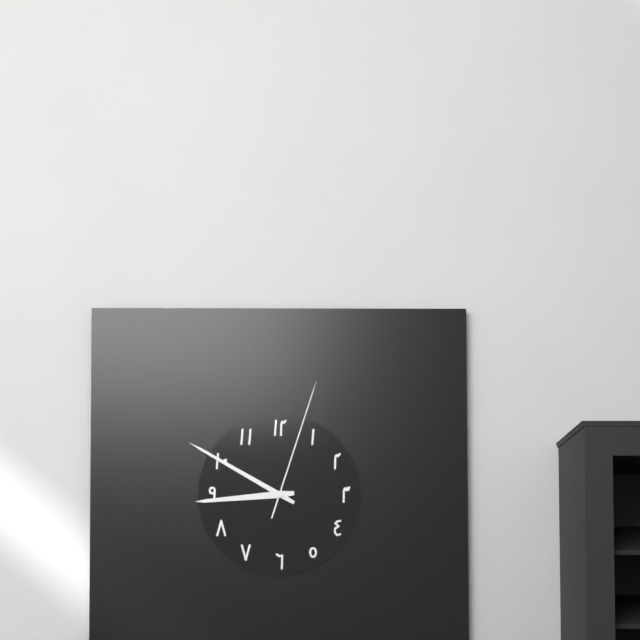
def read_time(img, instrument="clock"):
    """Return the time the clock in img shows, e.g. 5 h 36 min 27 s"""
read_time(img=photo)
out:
8 h 50 min 03 s
